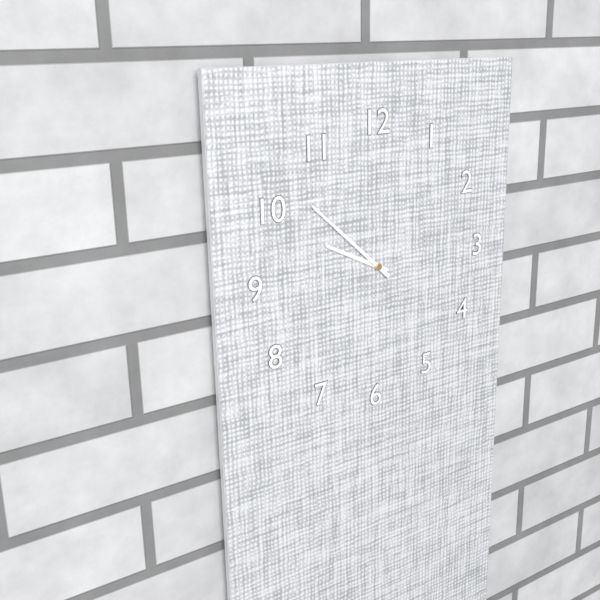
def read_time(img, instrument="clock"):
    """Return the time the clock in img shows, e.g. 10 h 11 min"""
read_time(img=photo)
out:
9 h 52 min
